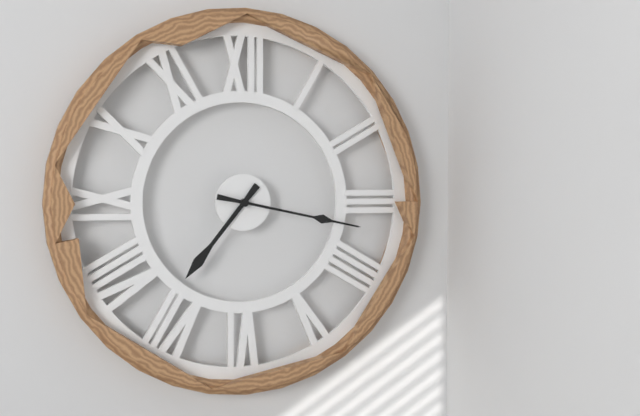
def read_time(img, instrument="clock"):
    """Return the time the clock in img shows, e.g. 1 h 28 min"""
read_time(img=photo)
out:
7 h 17 min
